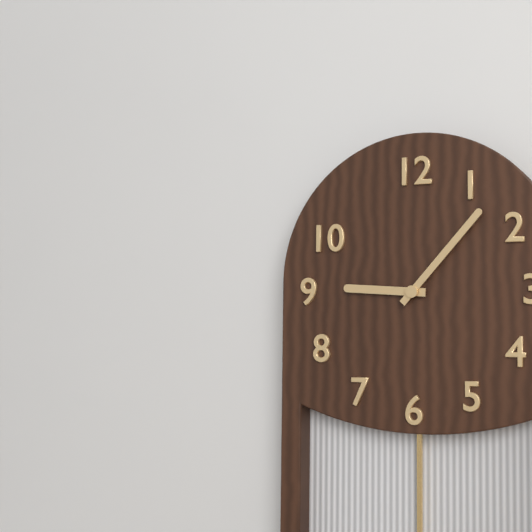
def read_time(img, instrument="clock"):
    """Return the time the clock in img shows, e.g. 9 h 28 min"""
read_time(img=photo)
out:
9 h 07 min
